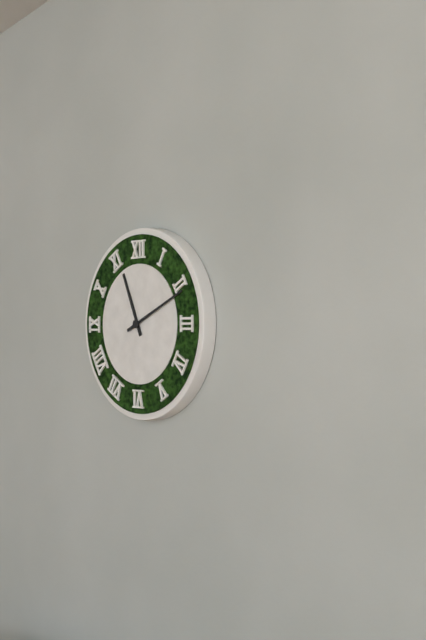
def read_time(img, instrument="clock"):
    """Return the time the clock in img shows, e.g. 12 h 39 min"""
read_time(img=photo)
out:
11 h 11 min
